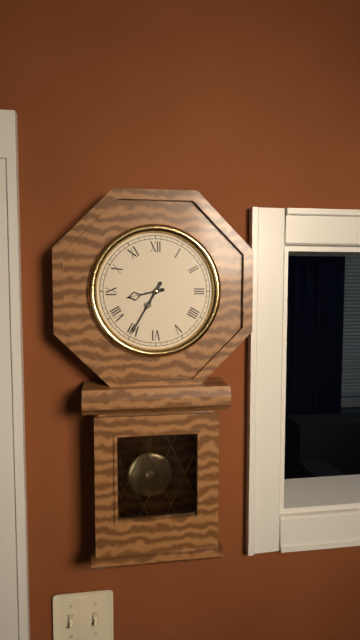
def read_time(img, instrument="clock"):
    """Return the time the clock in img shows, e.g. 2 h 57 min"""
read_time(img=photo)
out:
8 h 35 min
